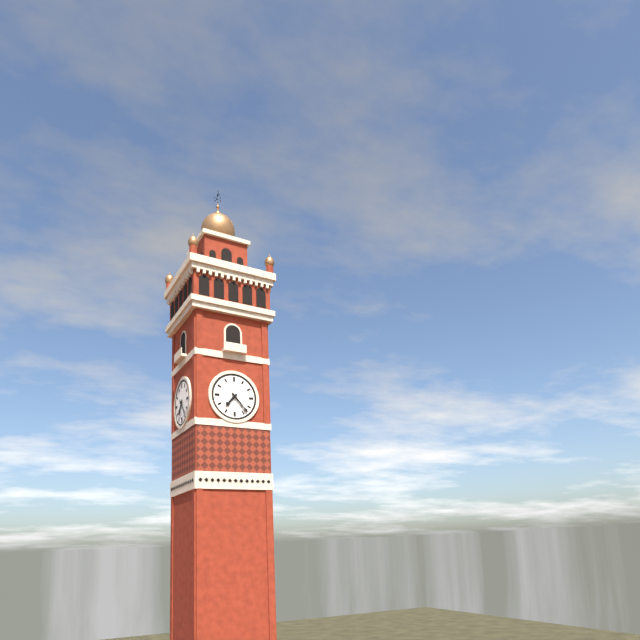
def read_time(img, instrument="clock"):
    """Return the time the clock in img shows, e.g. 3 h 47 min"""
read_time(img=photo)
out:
7 h 23 min
